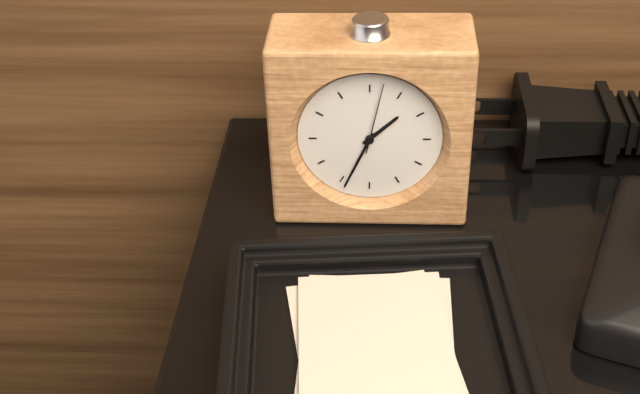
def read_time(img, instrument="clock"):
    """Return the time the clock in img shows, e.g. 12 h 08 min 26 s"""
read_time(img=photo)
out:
1 h 34 min 02 s
